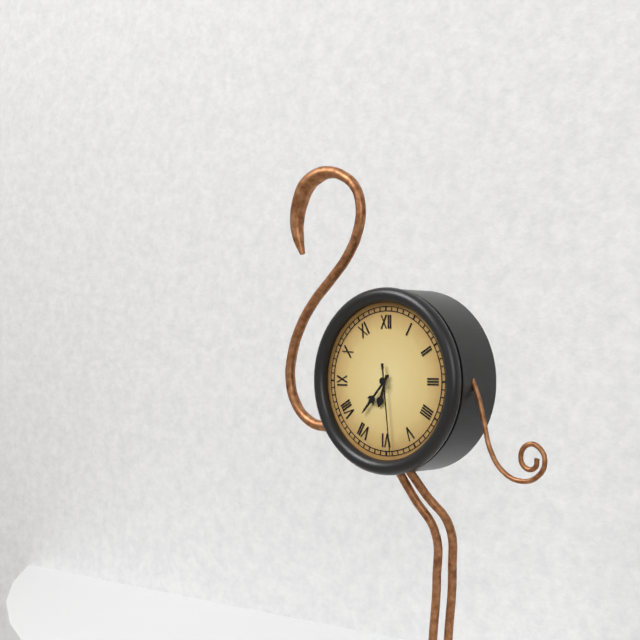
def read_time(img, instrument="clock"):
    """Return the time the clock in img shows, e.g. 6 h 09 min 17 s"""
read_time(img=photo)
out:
6 h 37 min 29 s
